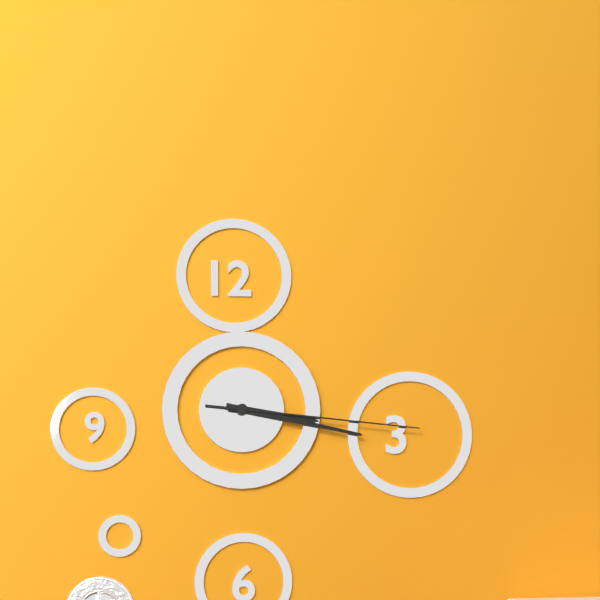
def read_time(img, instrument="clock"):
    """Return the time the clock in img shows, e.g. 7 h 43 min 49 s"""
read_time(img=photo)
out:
3 h 17 min 16 s
